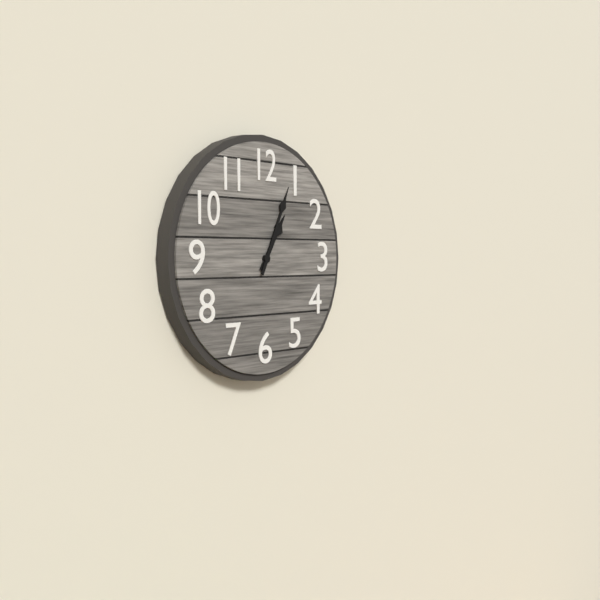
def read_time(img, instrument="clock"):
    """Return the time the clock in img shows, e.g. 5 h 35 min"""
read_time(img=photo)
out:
1 h 04 min
